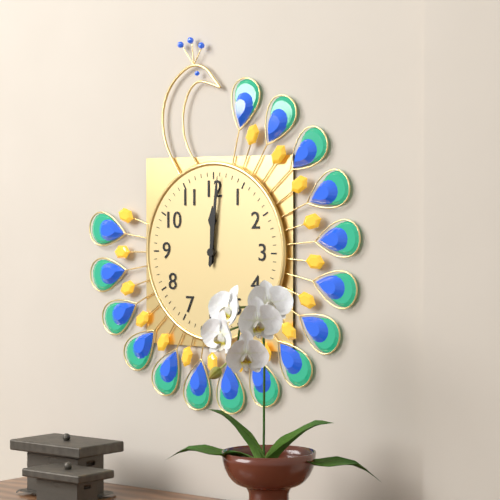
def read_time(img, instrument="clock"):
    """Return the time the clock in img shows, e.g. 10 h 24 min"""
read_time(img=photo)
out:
12 h 01 min
